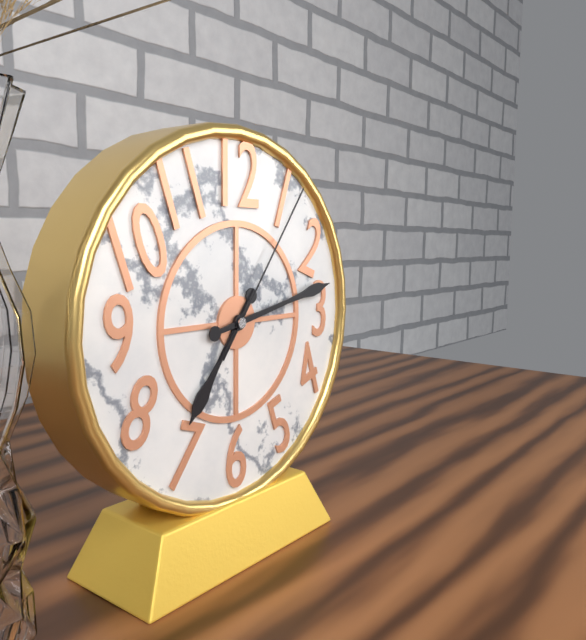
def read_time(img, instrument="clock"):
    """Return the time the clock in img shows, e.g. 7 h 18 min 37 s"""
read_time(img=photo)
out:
7 h 13 min 06 s
